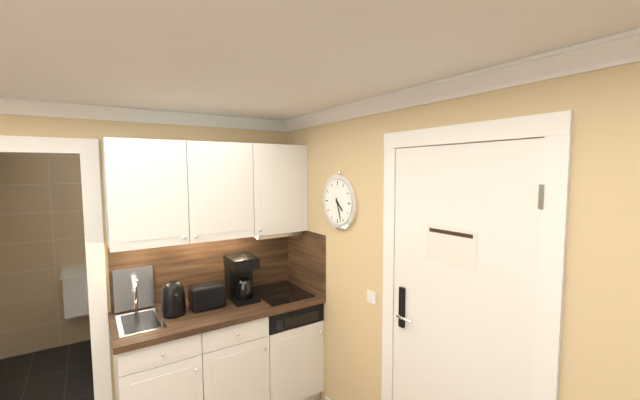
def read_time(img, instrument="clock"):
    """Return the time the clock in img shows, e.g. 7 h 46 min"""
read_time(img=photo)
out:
4 h 27 min
